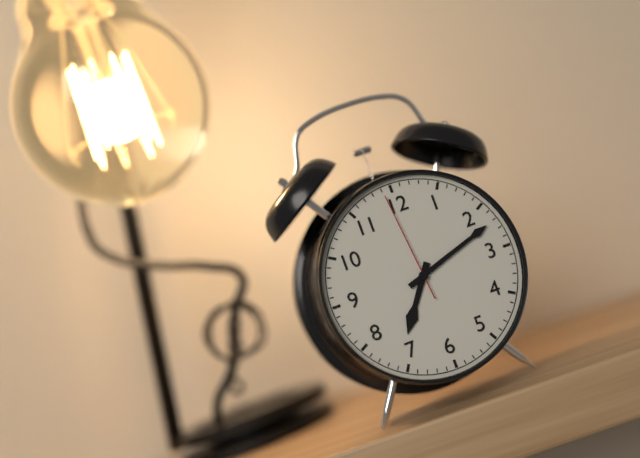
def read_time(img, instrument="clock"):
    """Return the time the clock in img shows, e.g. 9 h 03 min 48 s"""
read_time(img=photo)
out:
7 h 12 min 59 s
